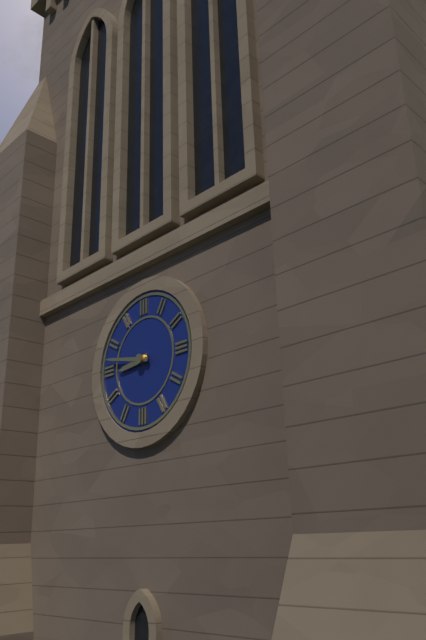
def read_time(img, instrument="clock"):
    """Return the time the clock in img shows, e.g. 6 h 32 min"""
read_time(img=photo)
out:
8 h 47 min
